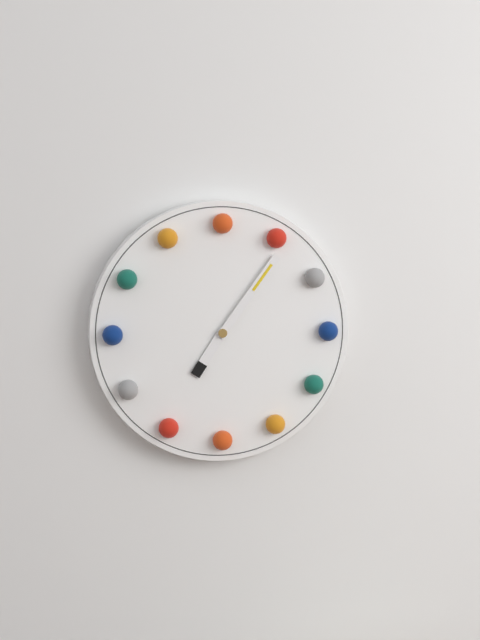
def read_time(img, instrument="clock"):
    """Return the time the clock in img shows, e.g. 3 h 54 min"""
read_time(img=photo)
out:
7 h 06 min
